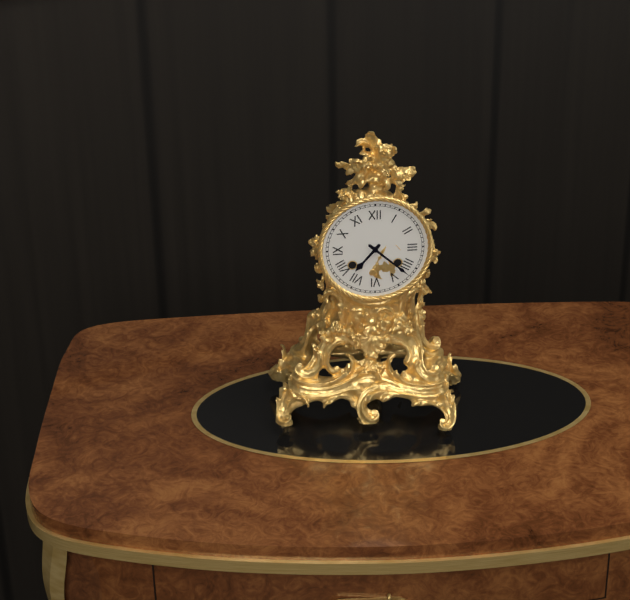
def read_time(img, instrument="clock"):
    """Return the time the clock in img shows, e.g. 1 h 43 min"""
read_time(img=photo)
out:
7 h 22 min
